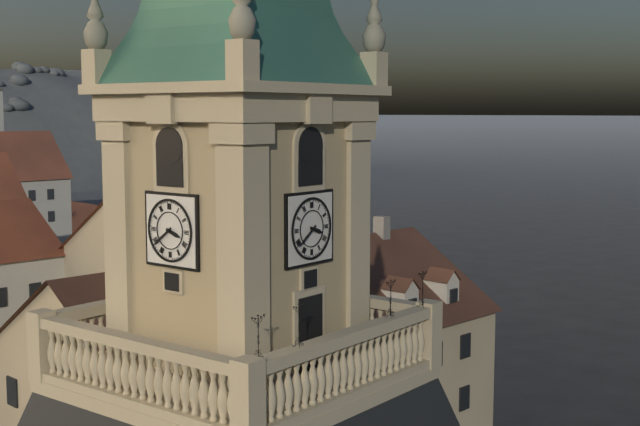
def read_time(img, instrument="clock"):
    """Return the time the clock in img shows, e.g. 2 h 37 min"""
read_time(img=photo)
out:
3 h 39 min
